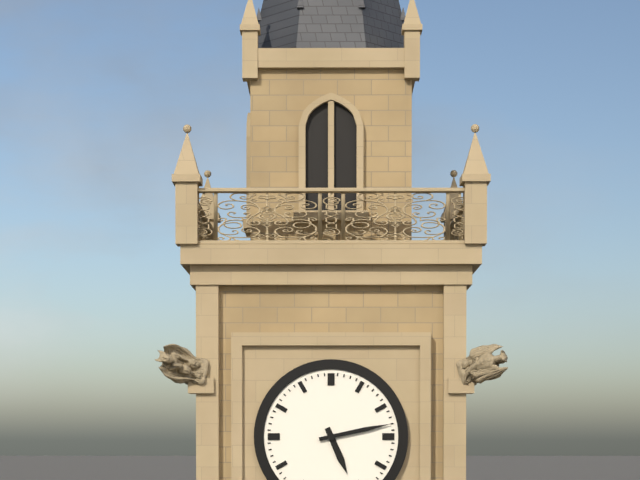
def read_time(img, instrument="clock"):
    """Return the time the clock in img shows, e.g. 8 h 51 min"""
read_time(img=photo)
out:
5 h 13 min
